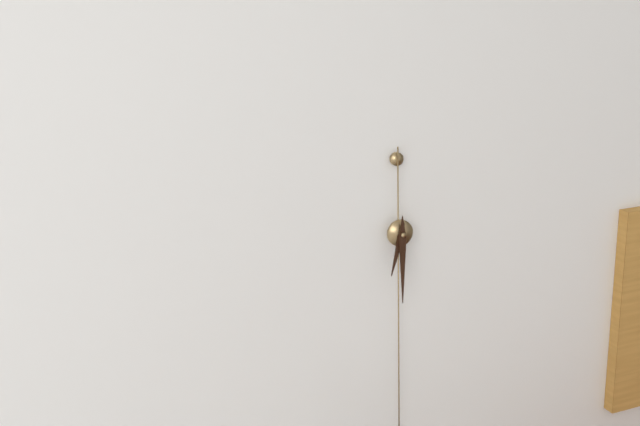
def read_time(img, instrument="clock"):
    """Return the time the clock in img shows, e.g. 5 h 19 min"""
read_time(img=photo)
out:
6 h 30 min
